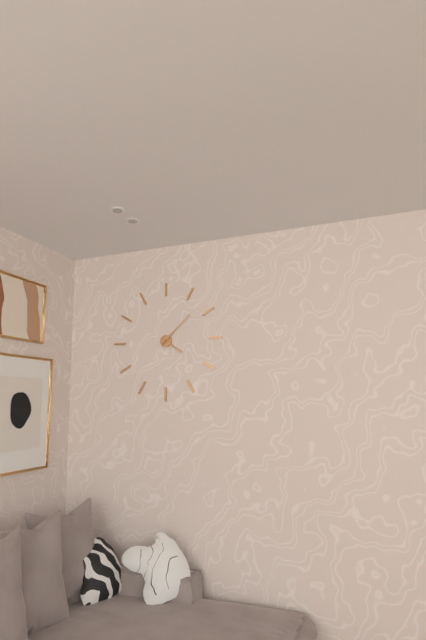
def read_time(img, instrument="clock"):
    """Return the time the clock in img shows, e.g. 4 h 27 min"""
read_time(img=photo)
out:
4 h 08 min
